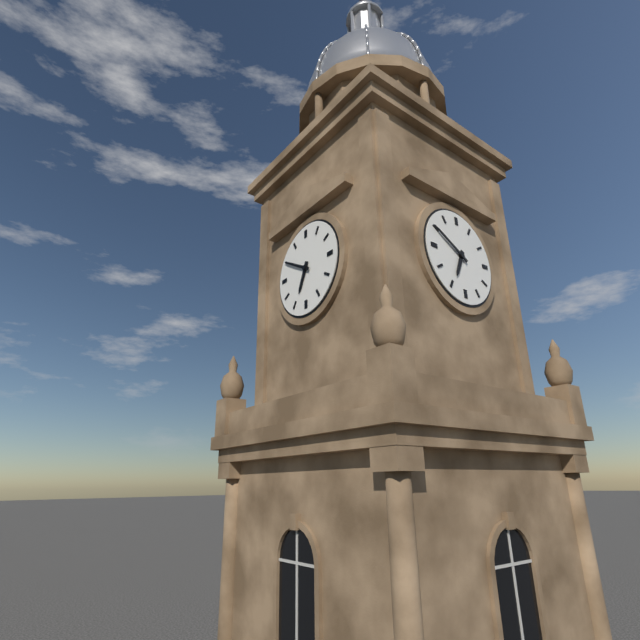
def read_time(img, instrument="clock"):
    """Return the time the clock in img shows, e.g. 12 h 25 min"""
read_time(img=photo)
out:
6 h 50 min
